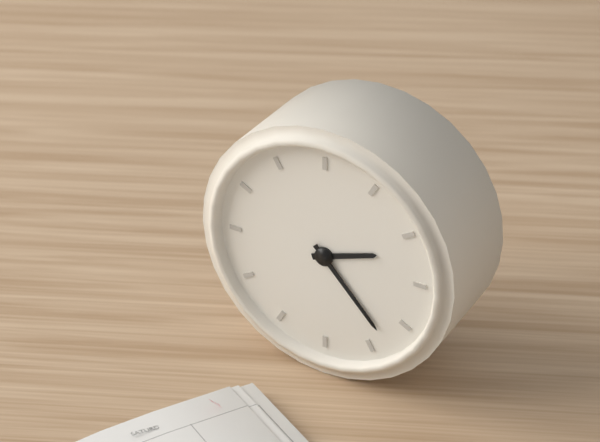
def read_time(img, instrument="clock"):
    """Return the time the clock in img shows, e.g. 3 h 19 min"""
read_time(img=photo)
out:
2 h 23 min
